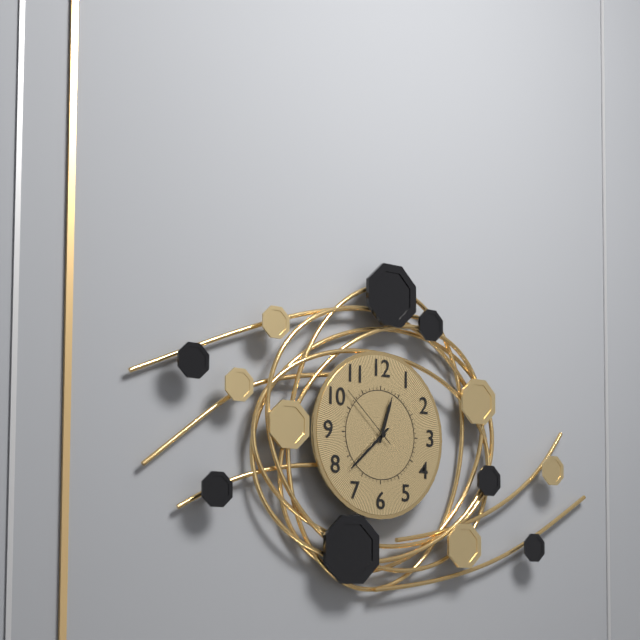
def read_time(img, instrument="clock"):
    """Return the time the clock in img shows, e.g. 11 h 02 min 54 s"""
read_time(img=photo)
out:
12 h 38 min 52 s
